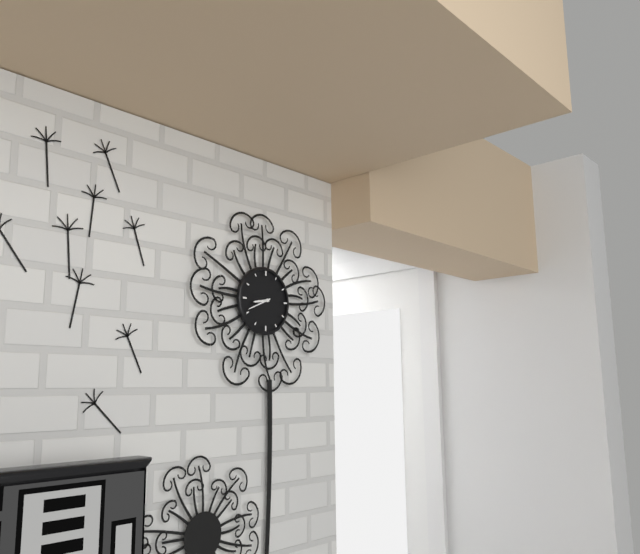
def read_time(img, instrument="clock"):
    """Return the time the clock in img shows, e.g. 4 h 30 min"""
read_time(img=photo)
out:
8 h 41 min
